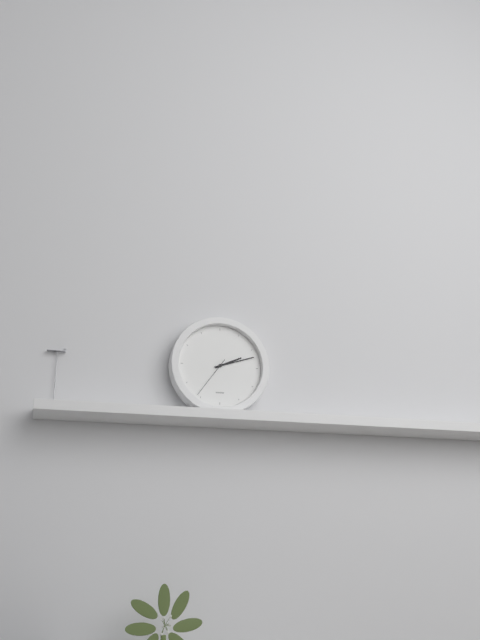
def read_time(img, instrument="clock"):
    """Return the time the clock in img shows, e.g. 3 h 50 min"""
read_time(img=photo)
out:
2 h 12 min
